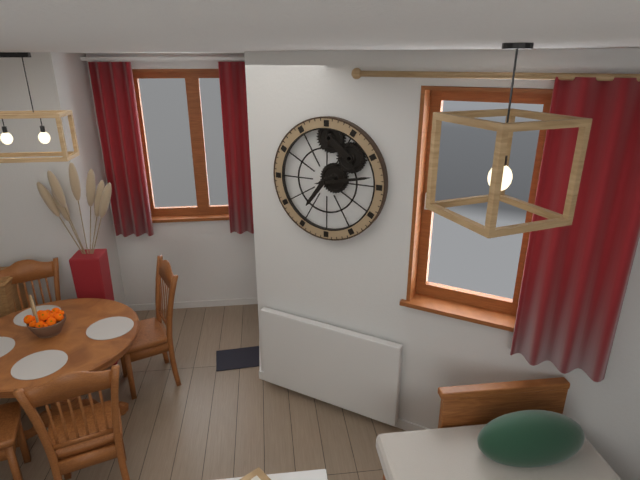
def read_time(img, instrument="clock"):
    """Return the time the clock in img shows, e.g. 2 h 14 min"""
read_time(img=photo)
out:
7 h 13 min
